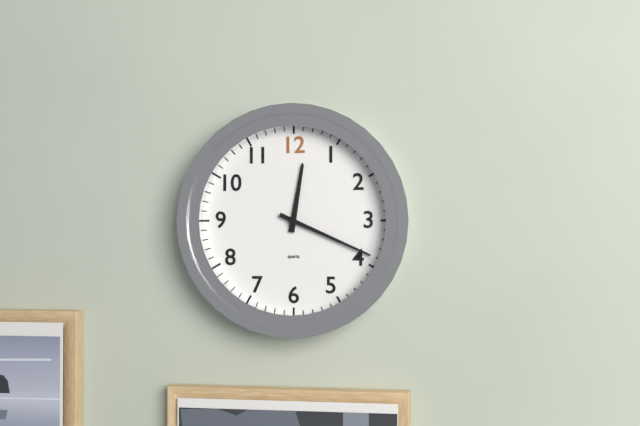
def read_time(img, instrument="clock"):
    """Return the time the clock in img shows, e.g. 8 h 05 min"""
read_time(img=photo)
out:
12 h 19 min
